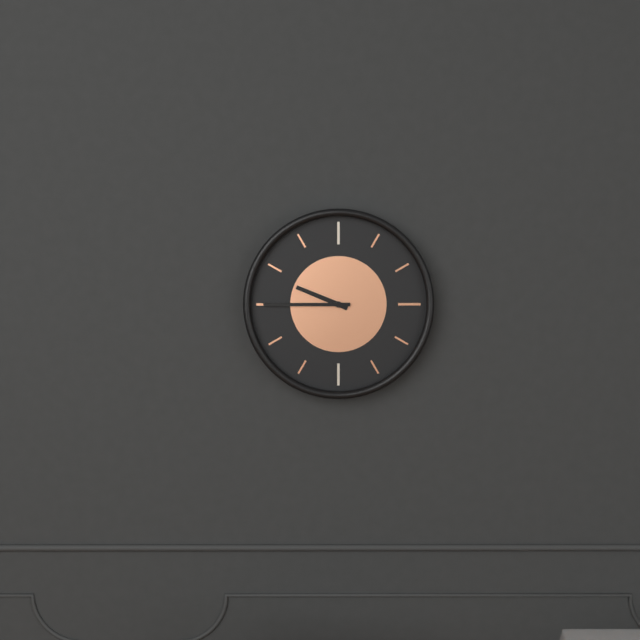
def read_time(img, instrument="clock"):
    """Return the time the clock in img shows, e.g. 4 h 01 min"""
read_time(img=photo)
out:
9 h 45 min
